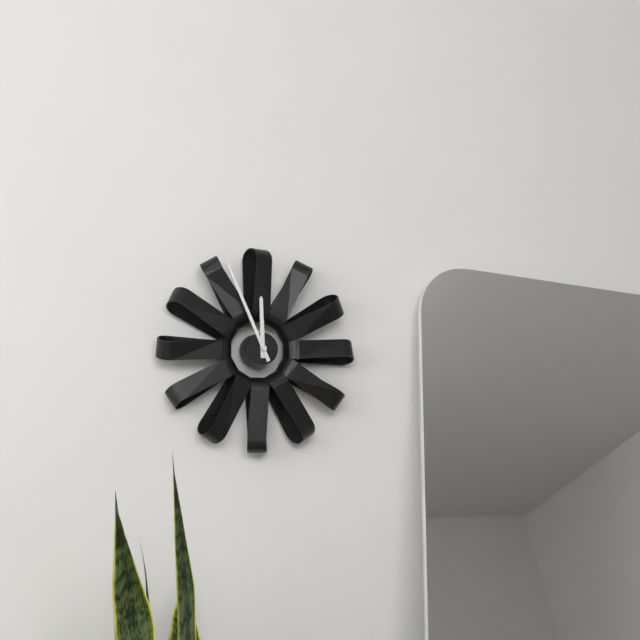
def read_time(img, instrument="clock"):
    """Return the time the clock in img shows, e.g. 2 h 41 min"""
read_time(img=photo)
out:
11 h 56 min
